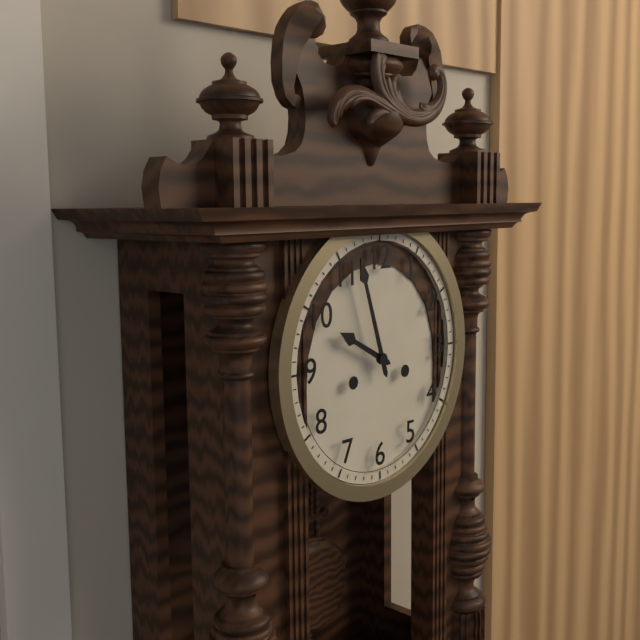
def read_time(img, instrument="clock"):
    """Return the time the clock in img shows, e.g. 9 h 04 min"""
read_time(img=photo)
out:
9 h 57 min
